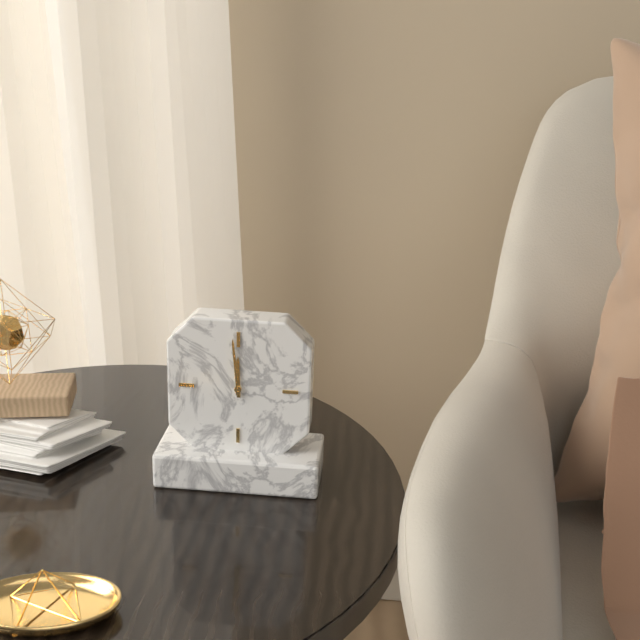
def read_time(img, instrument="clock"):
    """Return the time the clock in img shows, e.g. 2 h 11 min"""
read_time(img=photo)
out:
11 h 59 min
